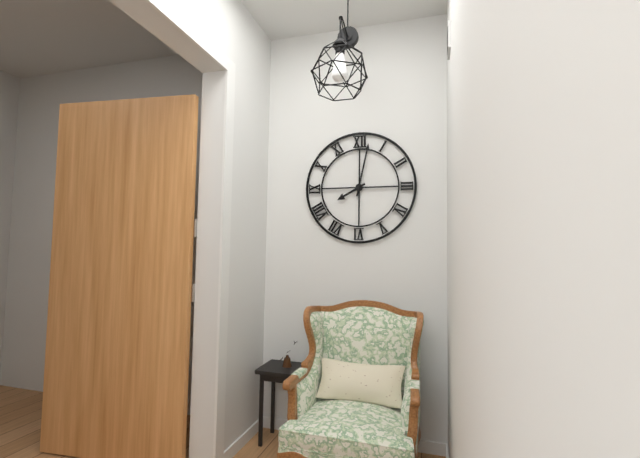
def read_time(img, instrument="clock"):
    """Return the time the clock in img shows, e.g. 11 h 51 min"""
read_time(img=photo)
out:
8 h 02 min
